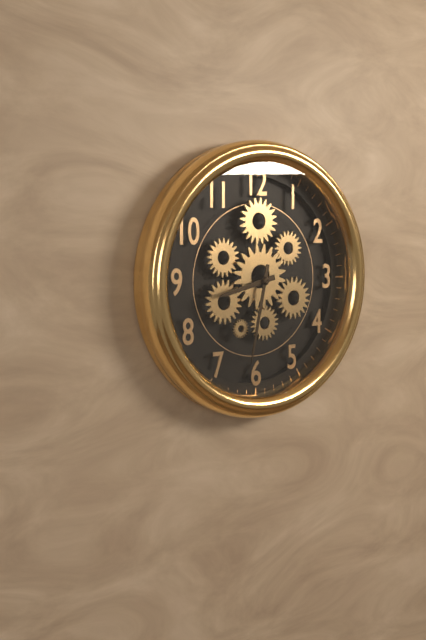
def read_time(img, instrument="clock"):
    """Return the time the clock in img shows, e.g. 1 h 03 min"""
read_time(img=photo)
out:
8 h 32 min
